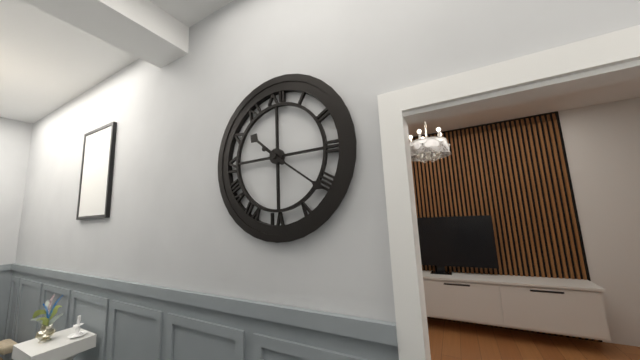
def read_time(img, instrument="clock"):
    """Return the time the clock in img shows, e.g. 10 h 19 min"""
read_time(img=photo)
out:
10 h 21 min
